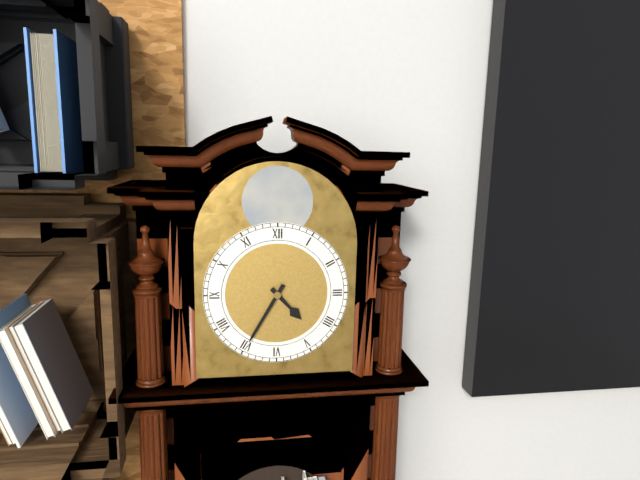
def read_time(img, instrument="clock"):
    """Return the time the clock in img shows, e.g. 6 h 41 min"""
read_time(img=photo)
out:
4 h 35 min
